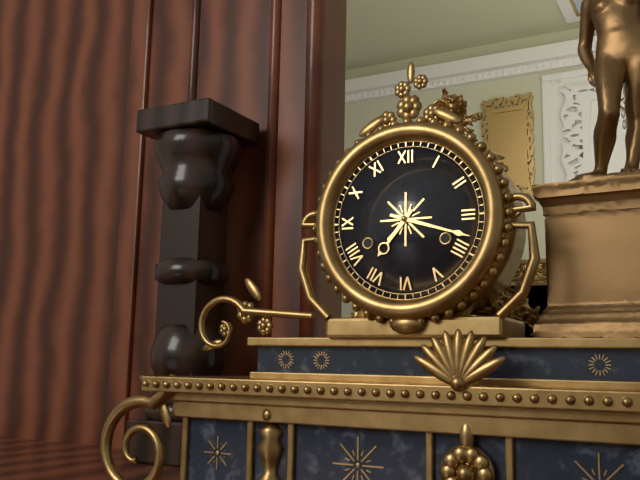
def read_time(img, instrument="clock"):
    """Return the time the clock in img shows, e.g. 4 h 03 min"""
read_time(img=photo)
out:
7 h 18 min
